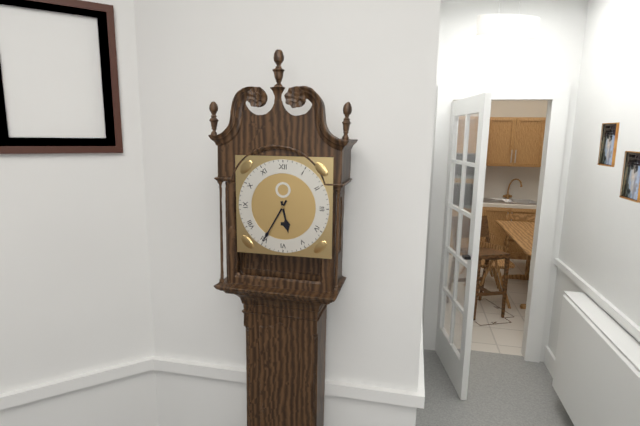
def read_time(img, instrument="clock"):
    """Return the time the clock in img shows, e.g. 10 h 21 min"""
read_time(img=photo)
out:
5 h 35 min
